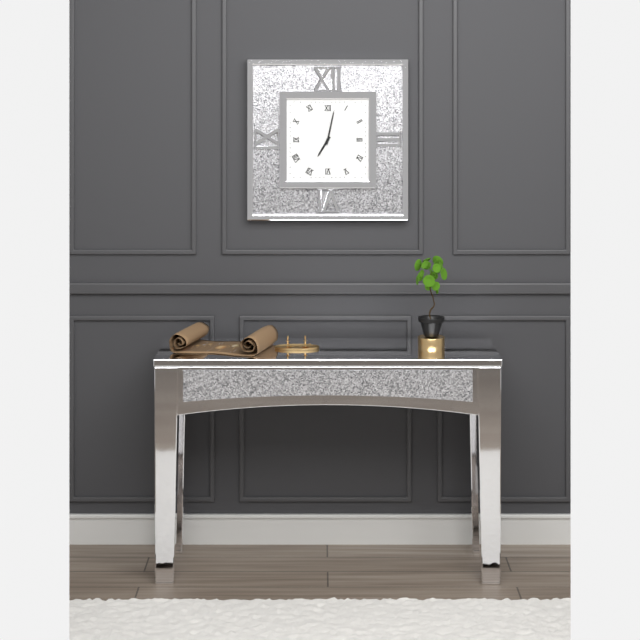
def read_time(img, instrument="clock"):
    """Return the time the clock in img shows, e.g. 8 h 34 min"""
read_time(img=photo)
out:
7 h 02 min
